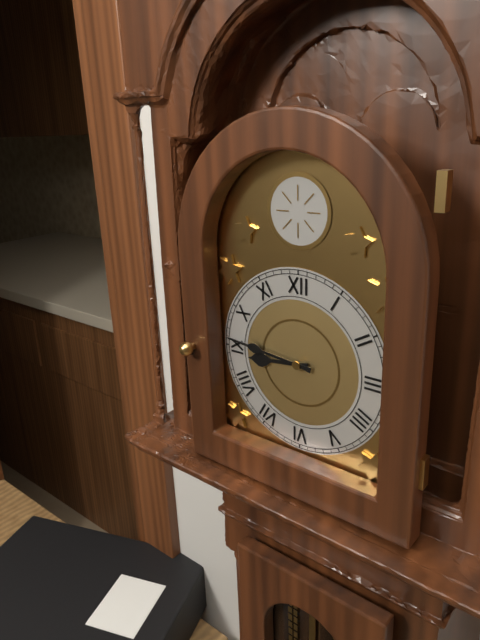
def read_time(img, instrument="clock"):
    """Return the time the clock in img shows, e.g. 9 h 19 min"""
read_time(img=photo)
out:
8 h 46 min
